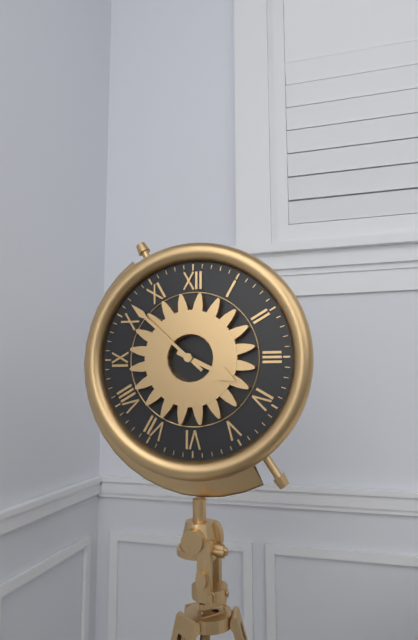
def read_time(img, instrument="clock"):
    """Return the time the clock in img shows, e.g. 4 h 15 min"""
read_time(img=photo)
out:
3 h 52 min
